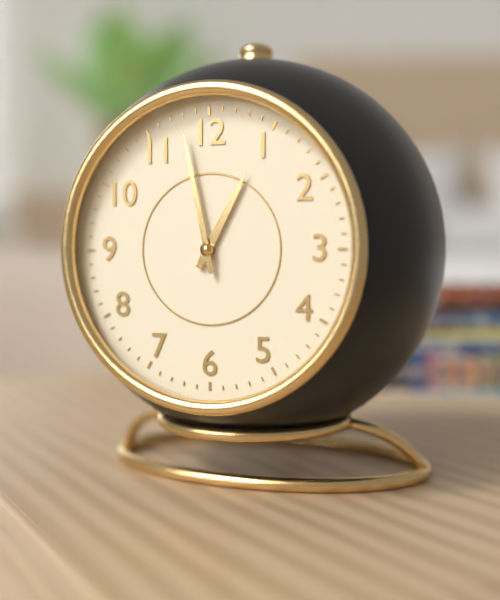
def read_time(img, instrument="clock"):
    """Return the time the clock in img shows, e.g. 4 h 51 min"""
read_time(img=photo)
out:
12 h 58 min
